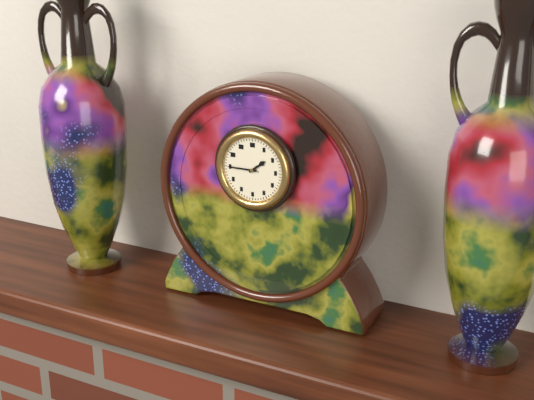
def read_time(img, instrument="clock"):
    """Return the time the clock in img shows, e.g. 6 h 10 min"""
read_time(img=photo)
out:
1 h 45 min
